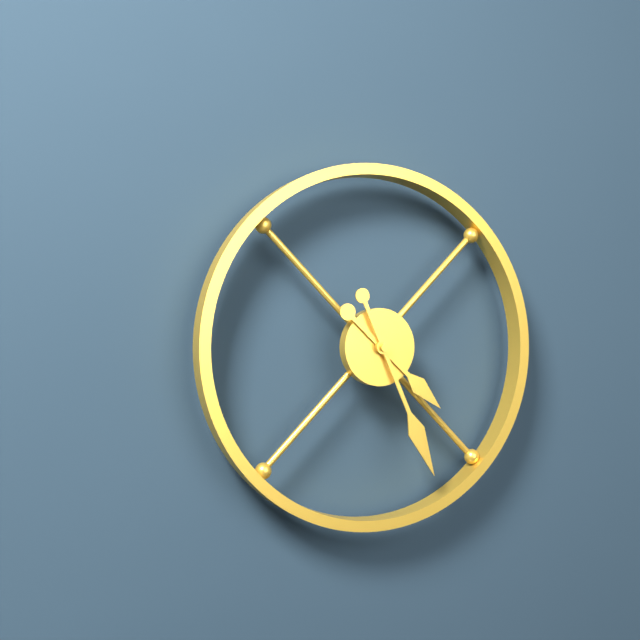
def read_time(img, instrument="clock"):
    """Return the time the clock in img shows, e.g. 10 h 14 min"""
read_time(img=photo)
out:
4 h 26 min
